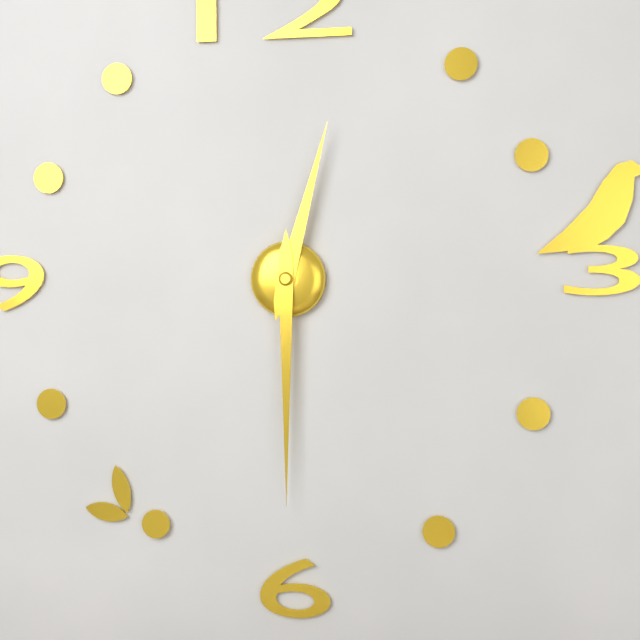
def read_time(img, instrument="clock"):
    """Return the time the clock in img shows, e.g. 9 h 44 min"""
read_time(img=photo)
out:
12 h 30 min
